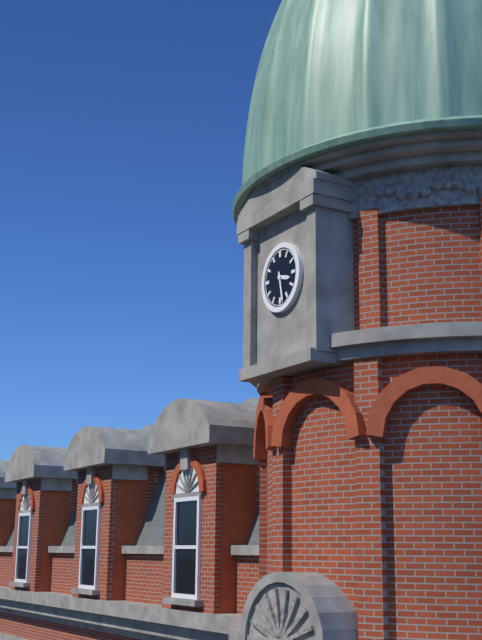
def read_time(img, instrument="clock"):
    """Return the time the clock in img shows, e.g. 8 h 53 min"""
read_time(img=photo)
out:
3 h 28 min
